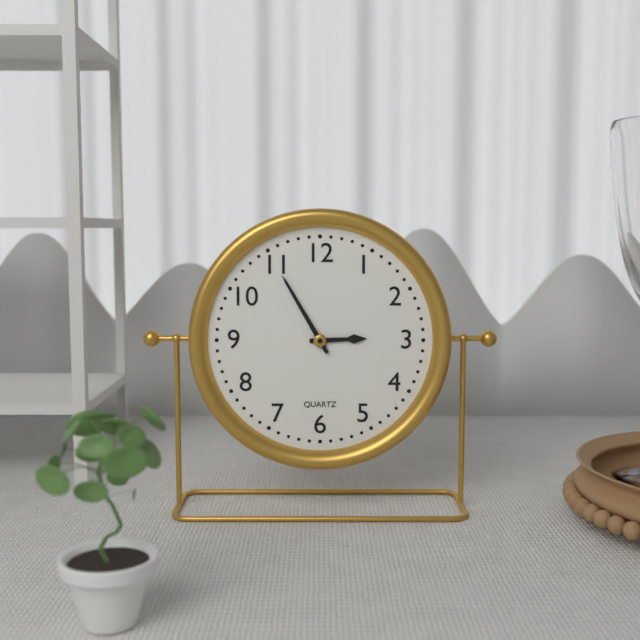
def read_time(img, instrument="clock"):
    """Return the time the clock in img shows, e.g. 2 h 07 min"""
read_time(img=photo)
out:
2 h 55 min
